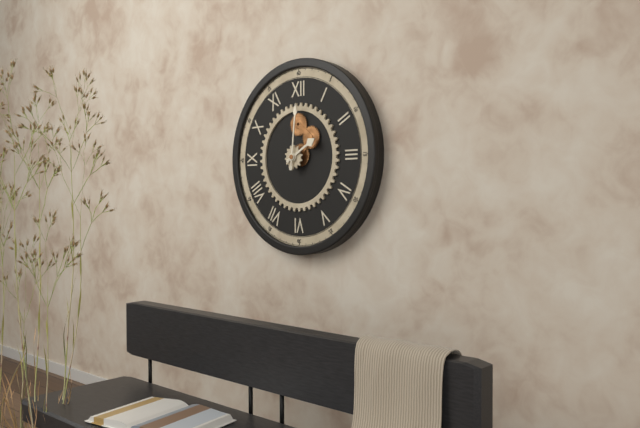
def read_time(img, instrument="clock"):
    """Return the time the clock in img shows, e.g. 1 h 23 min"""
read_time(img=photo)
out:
2 h 01 min
